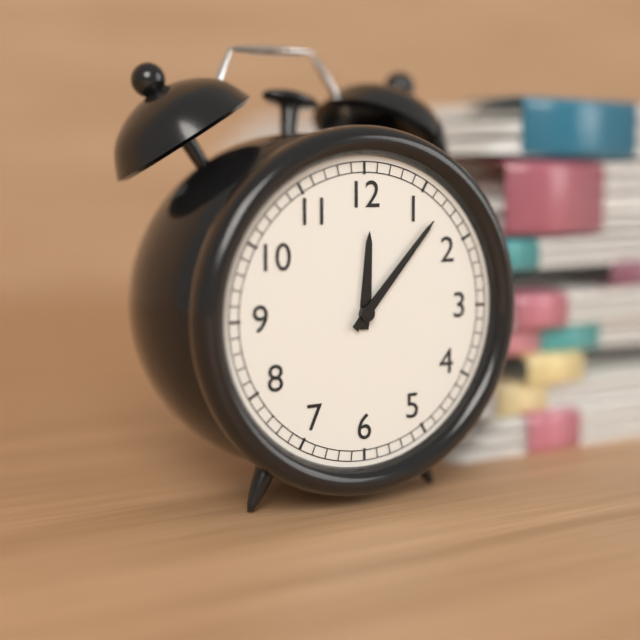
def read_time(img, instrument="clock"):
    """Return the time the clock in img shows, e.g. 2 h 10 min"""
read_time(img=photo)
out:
12 h 07 min
